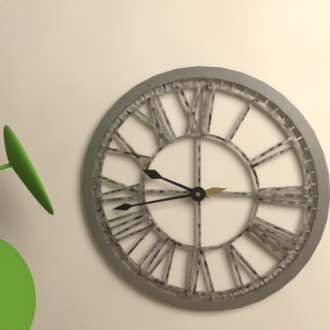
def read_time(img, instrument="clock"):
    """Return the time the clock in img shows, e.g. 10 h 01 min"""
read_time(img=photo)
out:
9 h 43 min
